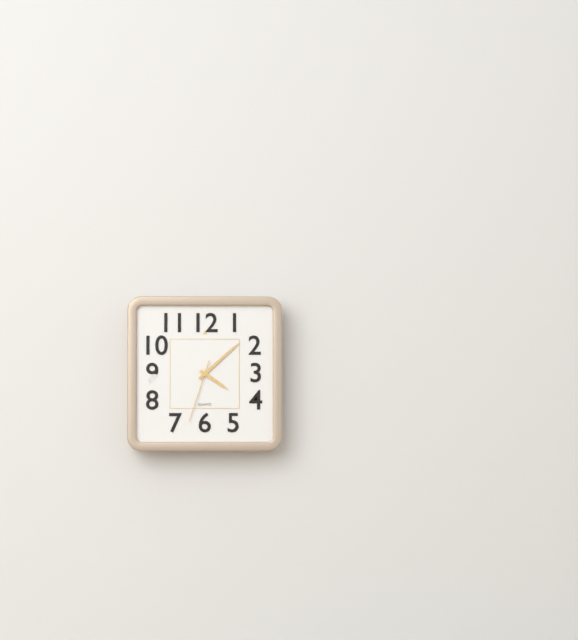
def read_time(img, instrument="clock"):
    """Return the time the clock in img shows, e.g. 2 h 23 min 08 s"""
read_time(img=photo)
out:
4 h 08 min 33 s
